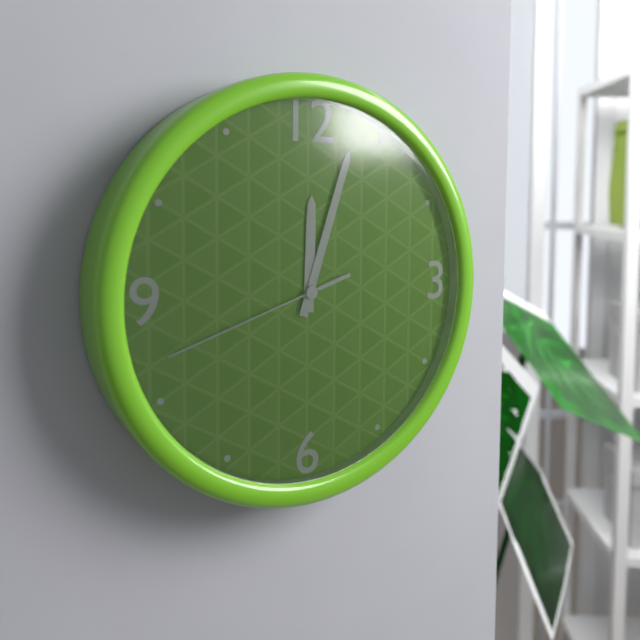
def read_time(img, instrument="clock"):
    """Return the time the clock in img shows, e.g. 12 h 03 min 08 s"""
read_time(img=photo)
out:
12 h 03 min 42 s
